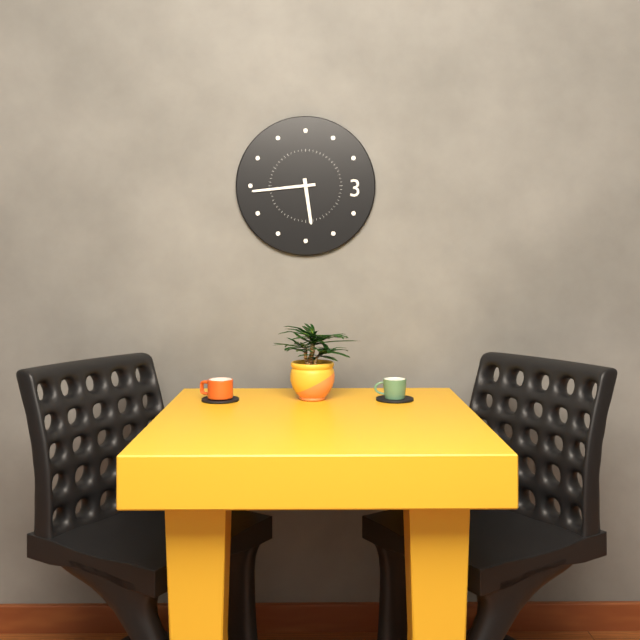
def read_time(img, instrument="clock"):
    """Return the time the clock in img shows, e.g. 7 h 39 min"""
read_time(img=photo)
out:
5 h 44 min
